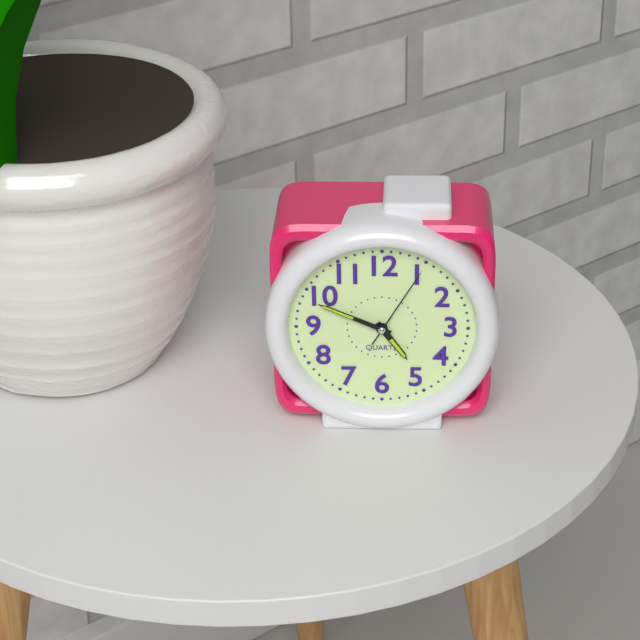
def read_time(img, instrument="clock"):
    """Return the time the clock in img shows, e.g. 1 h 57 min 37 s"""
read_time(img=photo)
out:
4 h 49 min 05 s
